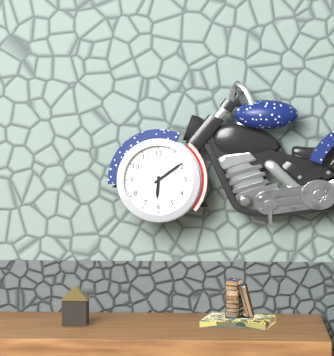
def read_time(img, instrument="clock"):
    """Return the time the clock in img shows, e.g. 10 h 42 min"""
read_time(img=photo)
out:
6 h 09 min
